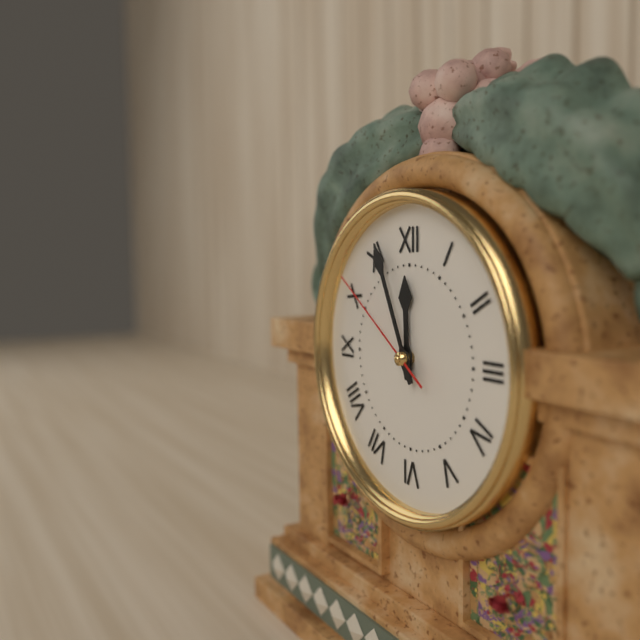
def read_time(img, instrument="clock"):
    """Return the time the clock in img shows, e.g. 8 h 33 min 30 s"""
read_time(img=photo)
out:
11 h 56 min 51 s
